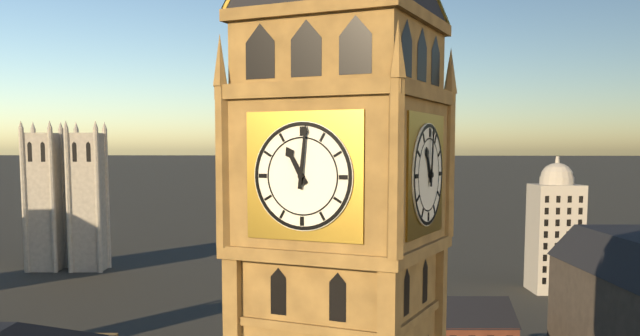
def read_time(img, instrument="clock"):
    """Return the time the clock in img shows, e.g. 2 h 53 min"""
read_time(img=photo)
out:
11 h 01 min
